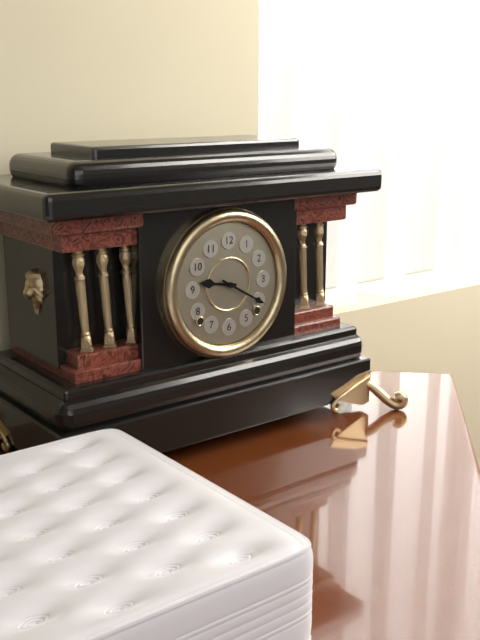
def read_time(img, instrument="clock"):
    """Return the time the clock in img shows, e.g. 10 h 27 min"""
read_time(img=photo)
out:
9 h 20 min
